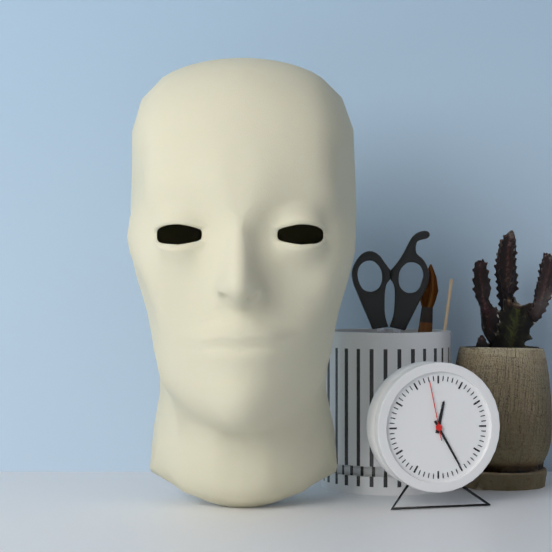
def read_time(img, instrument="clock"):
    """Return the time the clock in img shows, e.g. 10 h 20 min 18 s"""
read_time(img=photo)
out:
12 h 25 min 58 s
